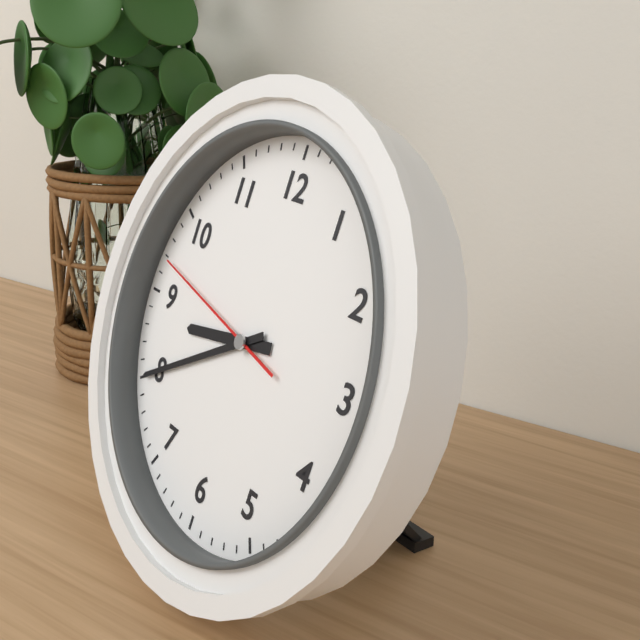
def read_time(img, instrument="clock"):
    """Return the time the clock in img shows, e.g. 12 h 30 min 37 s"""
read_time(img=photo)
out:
8 h 40 min 47 s
